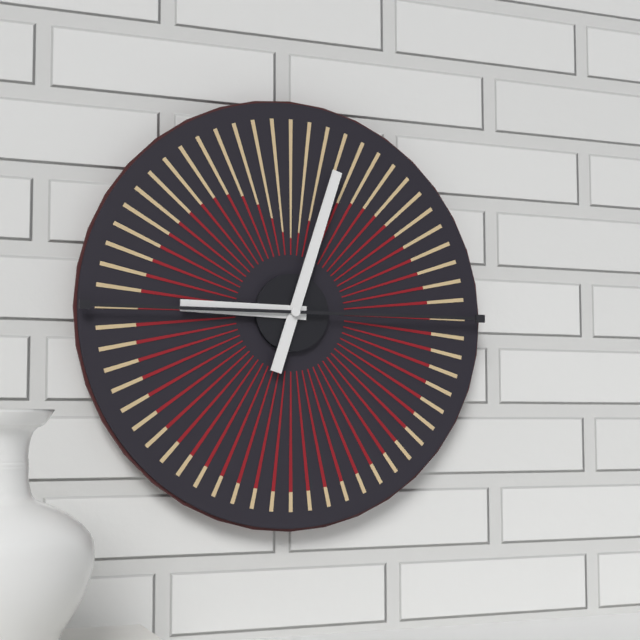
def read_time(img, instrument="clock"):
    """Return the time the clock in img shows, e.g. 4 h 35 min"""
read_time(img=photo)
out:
9 h 03 min
